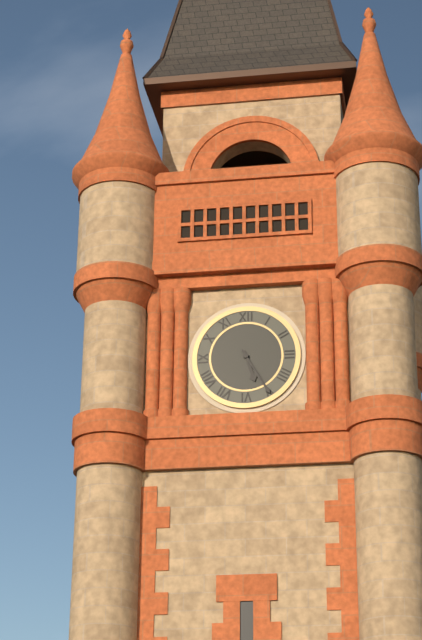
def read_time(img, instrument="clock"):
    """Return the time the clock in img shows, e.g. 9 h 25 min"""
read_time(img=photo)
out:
5 h 25 min
